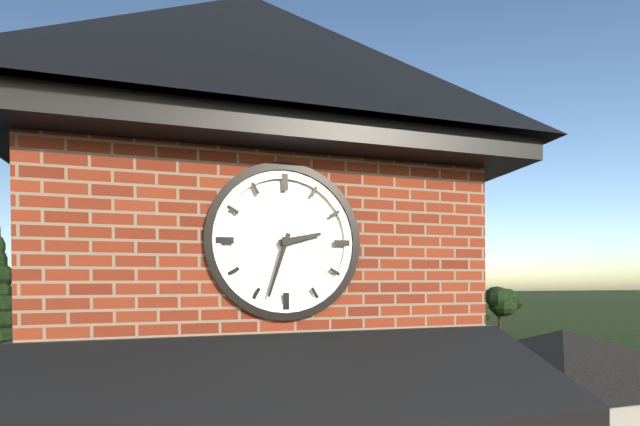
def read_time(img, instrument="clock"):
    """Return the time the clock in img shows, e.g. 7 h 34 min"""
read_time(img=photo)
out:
2 h 33 min
